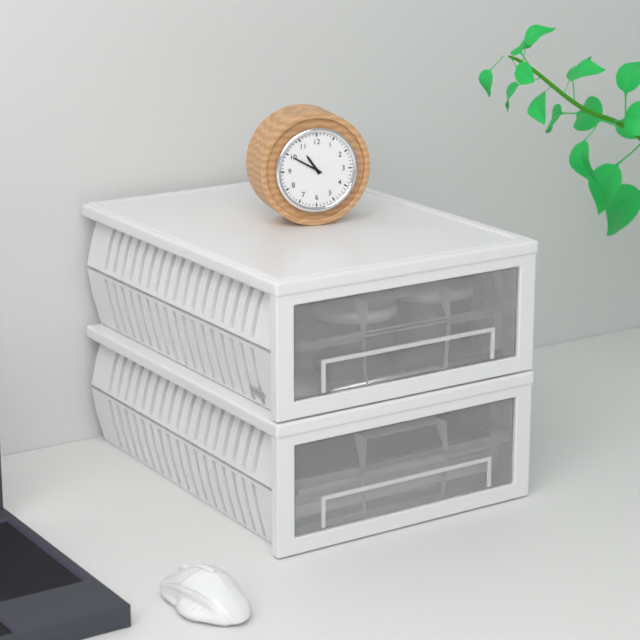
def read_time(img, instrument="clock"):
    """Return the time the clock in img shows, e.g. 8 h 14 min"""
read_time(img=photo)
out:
10 h 50 min
